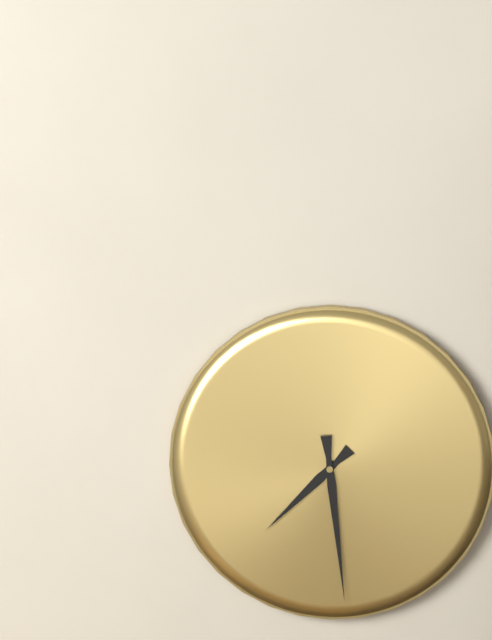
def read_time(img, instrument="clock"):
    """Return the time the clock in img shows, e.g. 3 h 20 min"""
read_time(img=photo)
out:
7 h 29 min
